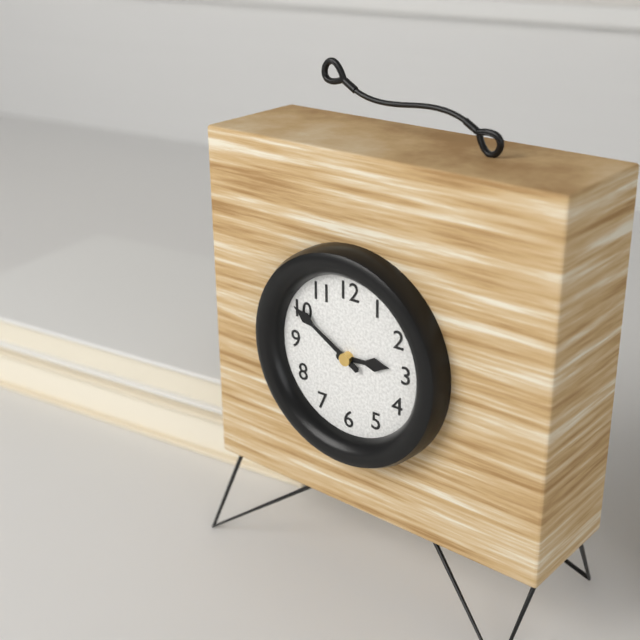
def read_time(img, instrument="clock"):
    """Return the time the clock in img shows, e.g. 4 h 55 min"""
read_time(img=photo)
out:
2 h 50 min
